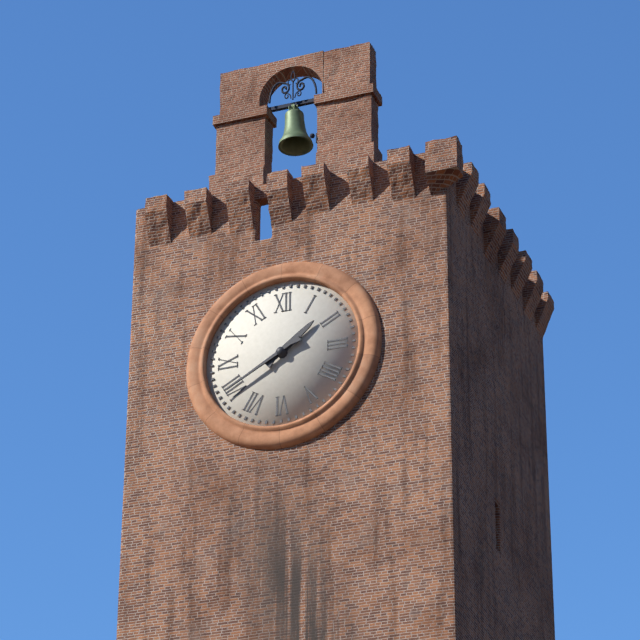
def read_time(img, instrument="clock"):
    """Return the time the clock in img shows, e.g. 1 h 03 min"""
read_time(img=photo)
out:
1 h 40 min
